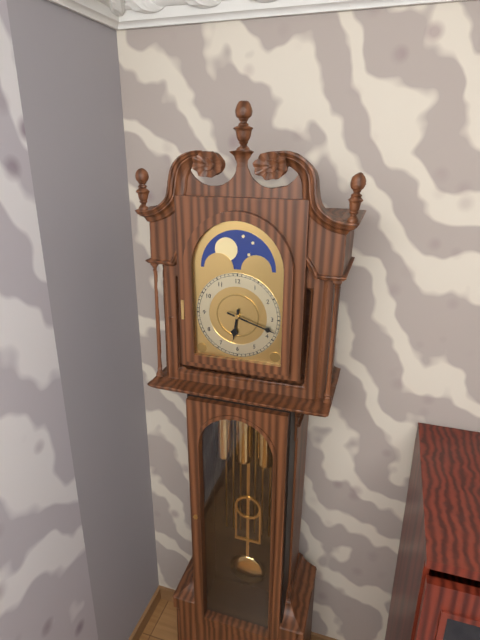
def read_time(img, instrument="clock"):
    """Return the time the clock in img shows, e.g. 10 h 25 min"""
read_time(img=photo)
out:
6 h 18 min
